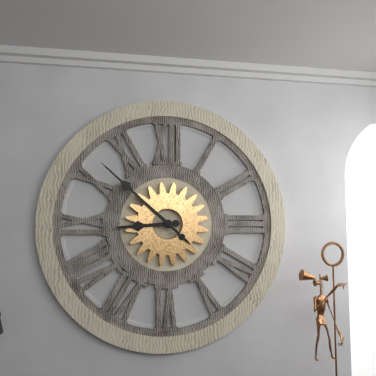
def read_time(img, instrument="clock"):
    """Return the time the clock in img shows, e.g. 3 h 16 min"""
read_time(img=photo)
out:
8 h 52 min
